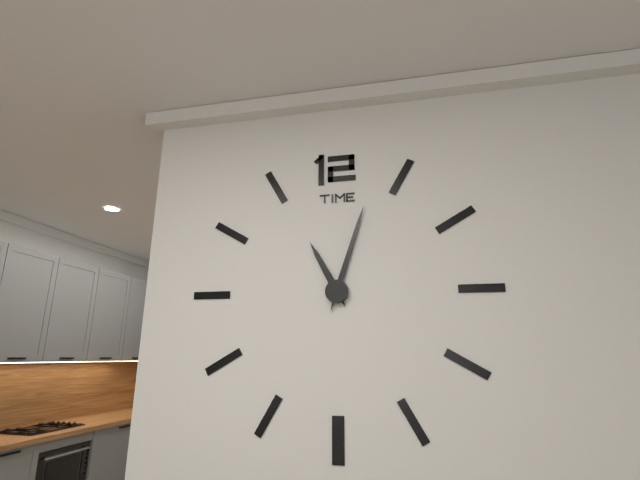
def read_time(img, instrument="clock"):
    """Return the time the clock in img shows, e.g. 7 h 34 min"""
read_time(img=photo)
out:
11 h 03 min
